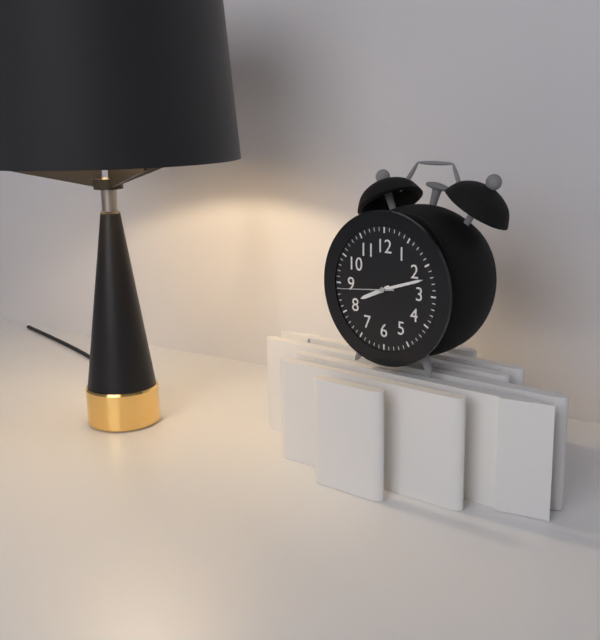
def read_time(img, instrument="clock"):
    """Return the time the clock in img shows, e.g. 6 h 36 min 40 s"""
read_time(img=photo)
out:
8 h 12 min 44 s
